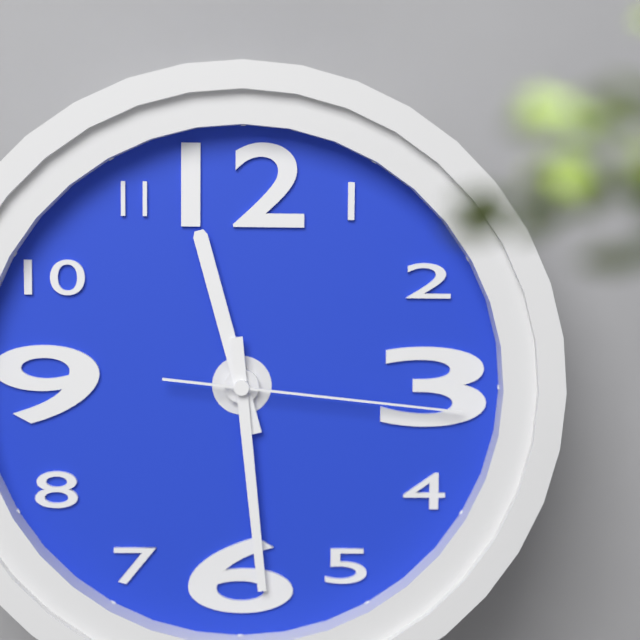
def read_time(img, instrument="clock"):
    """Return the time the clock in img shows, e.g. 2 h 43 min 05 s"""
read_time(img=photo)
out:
11 h 29 min 16 s
